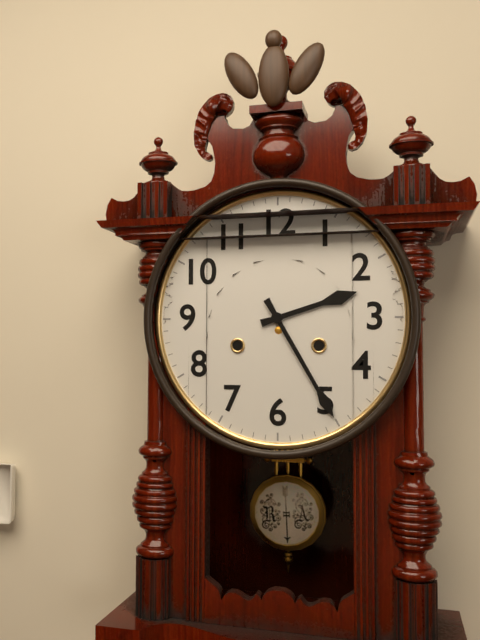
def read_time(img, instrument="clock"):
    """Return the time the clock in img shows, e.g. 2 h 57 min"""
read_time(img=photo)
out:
2 h 25 min
